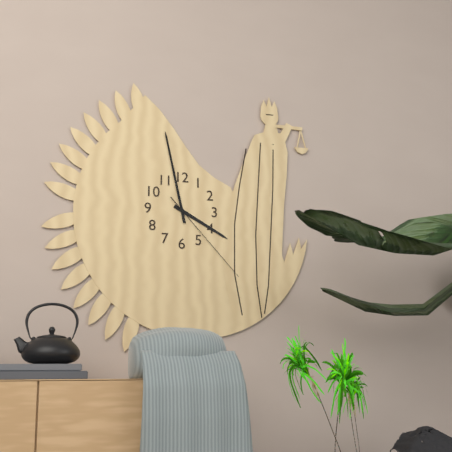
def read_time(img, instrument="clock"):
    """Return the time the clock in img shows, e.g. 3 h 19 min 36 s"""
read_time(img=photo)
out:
3 h 58 min 23 s
